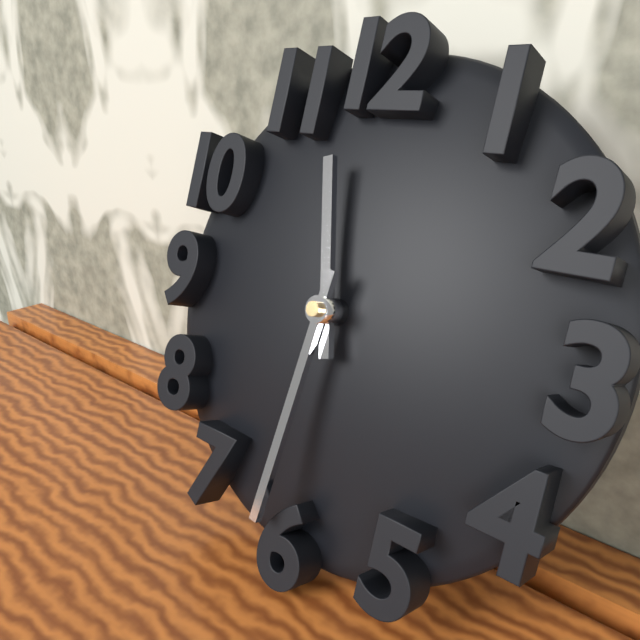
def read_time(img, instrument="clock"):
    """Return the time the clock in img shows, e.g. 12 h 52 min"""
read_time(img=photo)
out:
11 h 31 min
